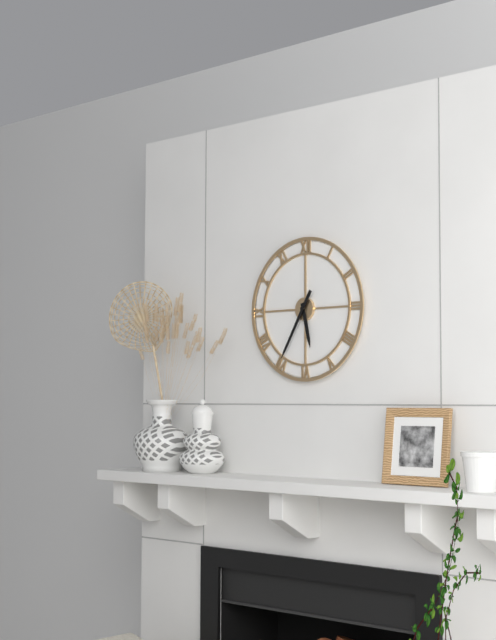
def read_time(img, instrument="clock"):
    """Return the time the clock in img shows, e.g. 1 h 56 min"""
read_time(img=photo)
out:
5 h 35 min
